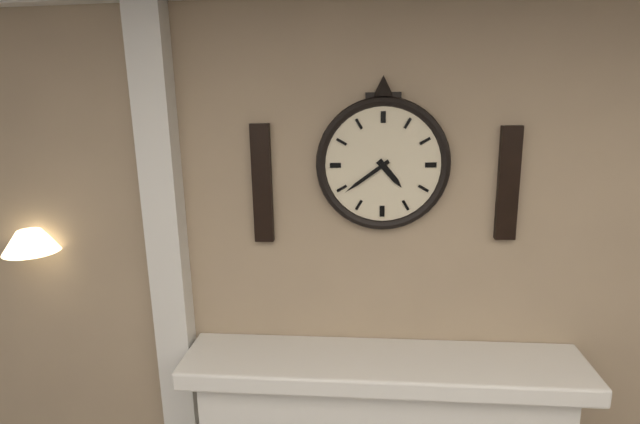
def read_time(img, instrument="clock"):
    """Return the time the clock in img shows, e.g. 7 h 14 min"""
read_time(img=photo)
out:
4 h 39 min
